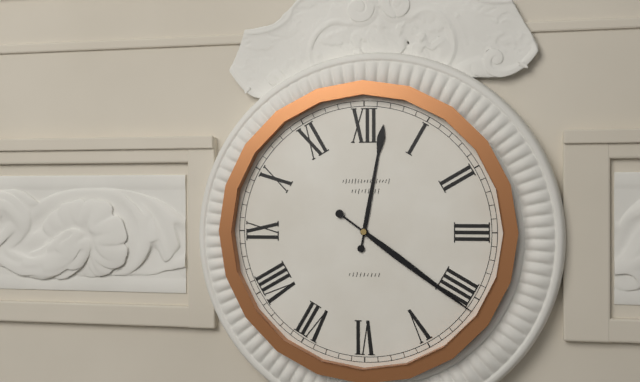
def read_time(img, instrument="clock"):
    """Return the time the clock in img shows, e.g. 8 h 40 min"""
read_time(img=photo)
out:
12 h 21 min
